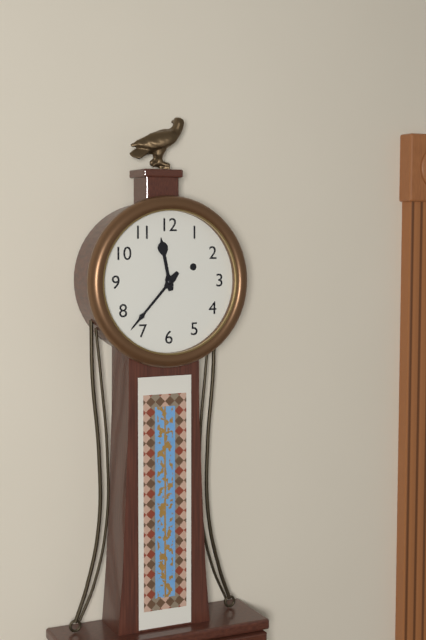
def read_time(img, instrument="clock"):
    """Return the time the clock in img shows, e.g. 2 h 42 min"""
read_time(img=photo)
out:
11 h 37 min
